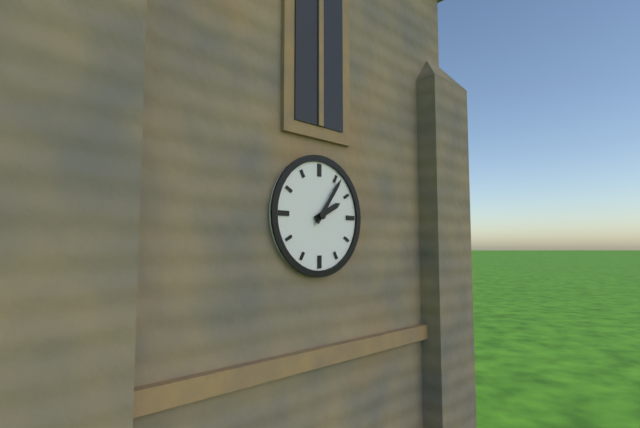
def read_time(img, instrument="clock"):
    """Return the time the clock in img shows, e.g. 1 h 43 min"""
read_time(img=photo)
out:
2 h 06 min
